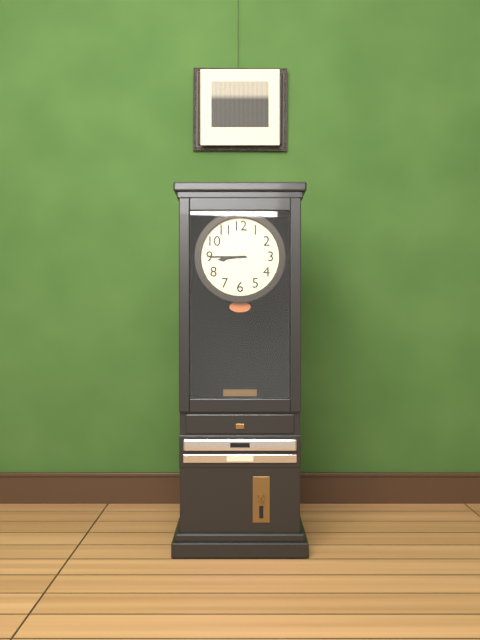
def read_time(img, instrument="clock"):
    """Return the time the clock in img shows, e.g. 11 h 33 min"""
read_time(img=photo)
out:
8 h 45 min
